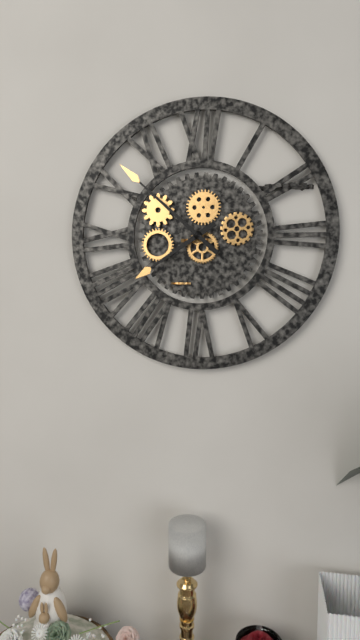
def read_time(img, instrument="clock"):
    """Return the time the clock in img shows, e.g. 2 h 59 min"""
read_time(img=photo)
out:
7 h 52 min
